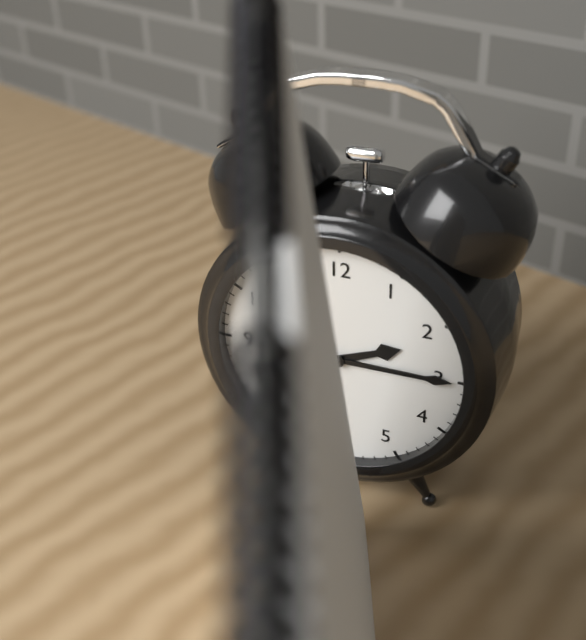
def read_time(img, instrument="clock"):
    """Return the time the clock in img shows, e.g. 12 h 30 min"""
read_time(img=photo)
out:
2 h 15 min
